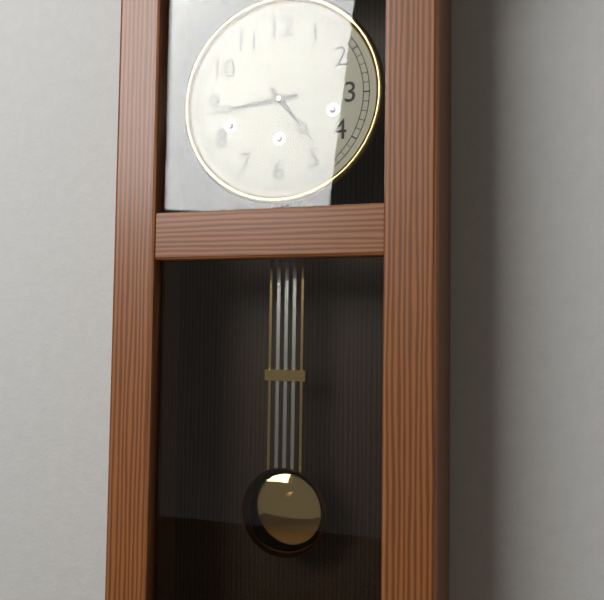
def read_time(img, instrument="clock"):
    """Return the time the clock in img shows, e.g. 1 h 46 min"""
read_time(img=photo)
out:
4 h 44 min
